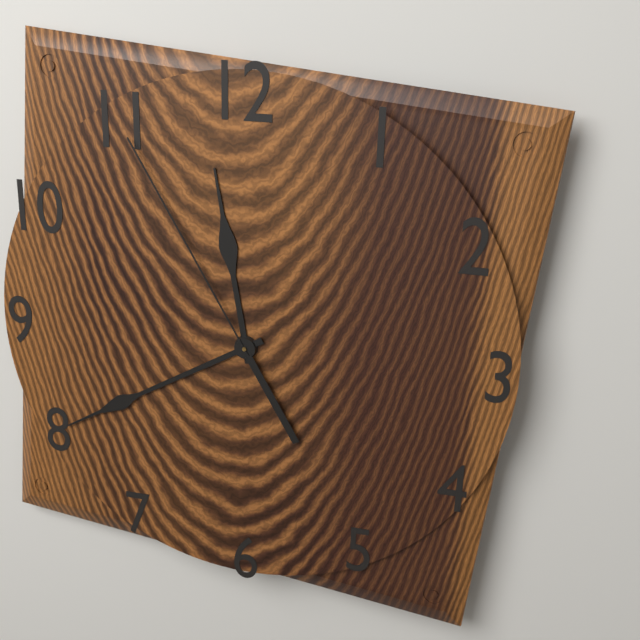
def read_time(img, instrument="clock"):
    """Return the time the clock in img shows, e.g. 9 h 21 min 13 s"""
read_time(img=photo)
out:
11 h 40 min 55 s
